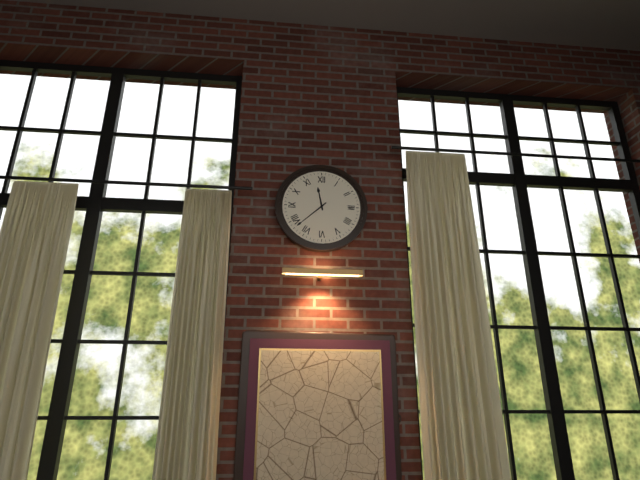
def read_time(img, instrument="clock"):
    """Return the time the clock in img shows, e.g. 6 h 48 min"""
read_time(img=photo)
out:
11 h 38 min
